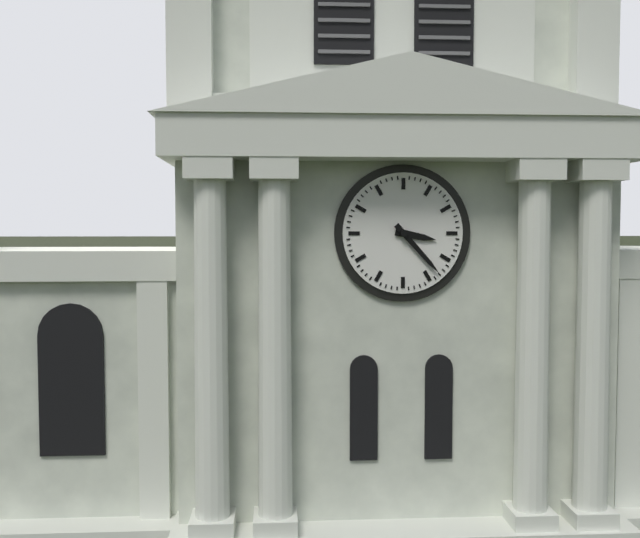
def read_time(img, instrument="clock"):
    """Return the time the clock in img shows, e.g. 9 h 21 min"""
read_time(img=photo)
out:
3 h 23 min
